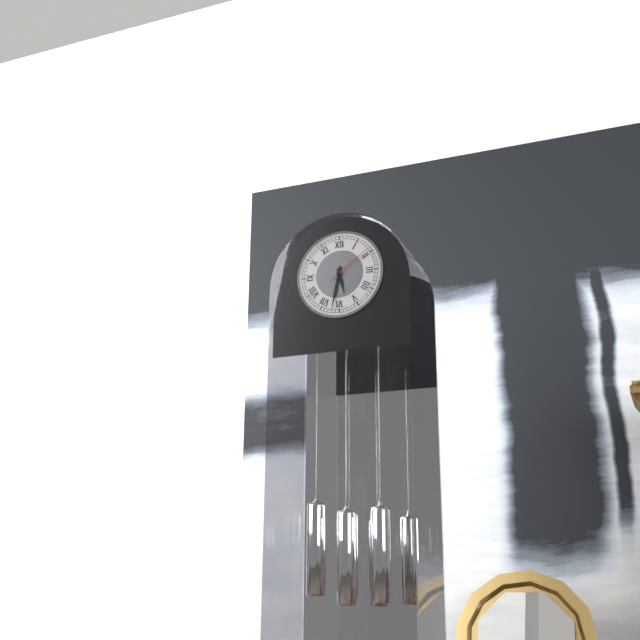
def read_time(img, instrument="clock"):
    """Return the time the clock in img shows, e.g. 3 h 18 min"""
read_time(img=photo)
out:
5 h 32 min
